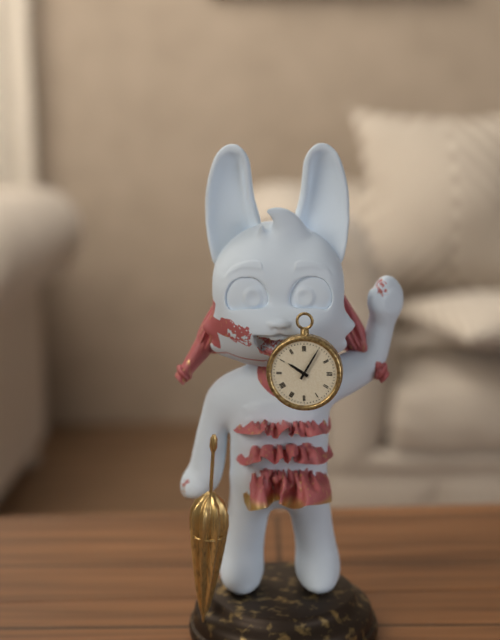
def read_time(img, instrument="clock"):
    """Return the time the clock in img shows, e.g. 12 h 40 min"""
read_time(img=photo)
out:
10 h 05 min
